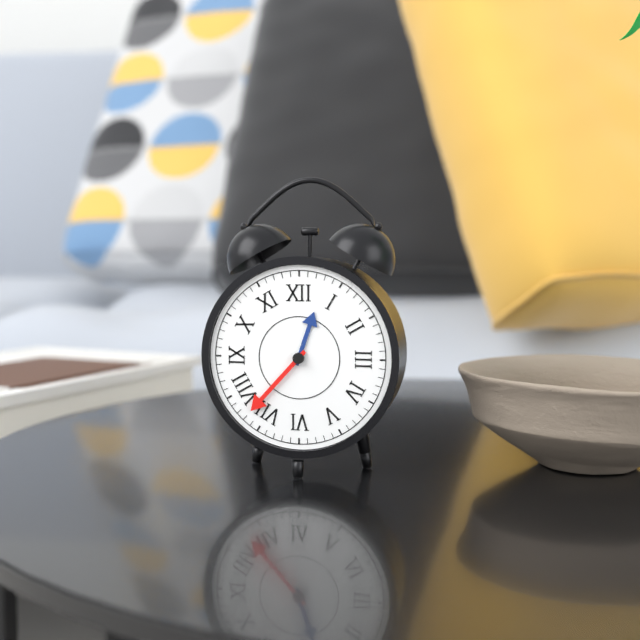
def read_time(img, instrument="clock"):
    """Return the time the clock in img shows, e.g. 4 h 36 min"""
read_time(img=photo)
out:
12 h 37 min
